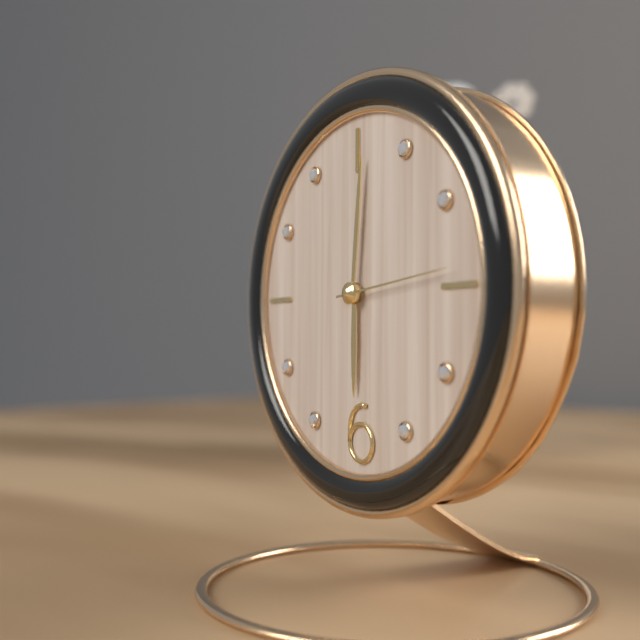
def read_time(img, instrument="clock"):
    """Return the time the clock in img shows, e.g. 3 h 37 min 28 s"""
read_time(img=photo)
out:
6 h 01 min 14 s
